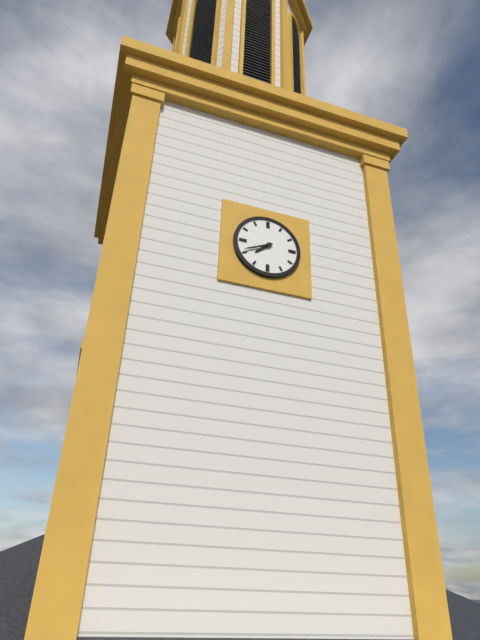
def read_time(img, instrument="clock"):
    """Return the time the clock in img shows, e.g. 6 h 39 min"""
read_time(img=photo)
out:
7 h 41 min
